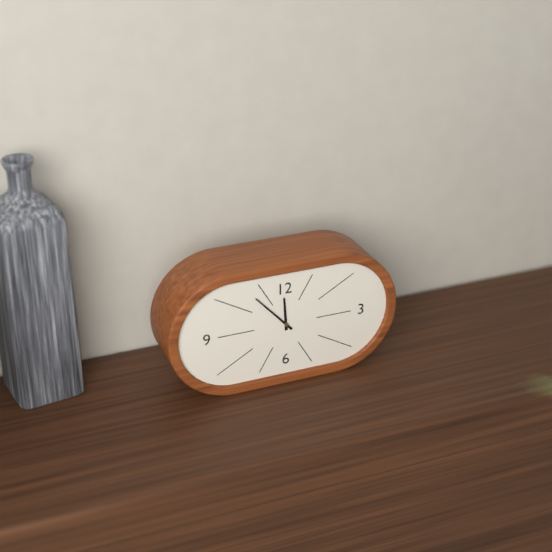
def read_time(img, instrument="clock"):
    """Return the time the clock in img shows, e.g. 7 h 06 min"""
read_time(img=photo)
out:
11 h 53 min
